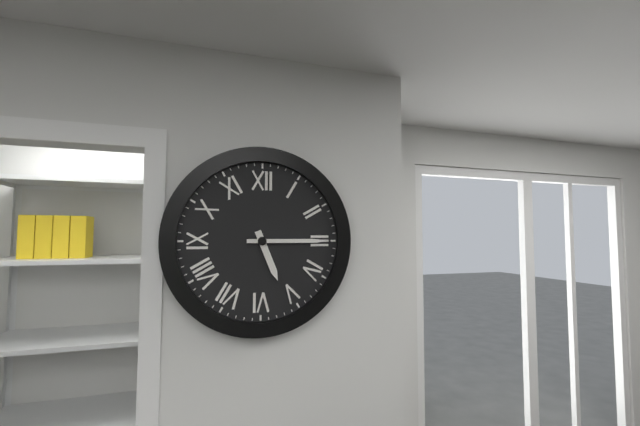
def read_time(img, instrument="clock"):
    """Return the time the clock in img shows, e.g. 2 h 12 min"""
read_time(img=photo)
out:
5 h 15 min
